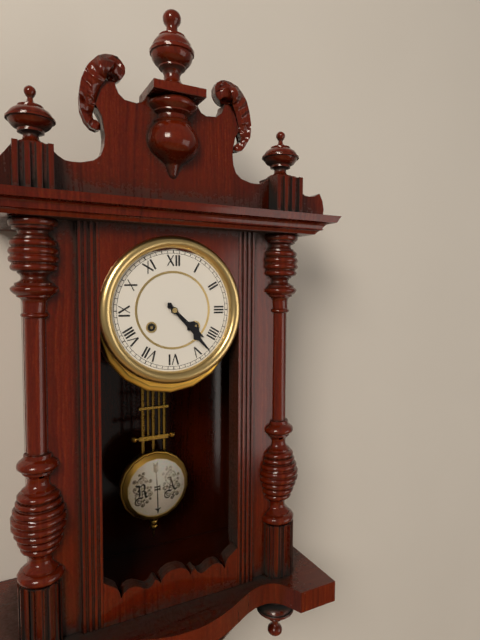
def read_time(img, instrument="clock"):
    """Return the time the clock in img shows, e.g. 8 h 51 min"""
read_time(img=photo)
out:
4 h 23 min
